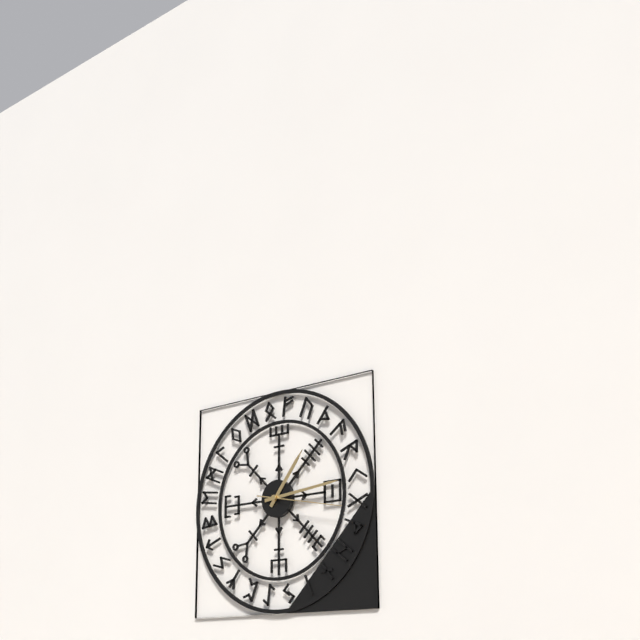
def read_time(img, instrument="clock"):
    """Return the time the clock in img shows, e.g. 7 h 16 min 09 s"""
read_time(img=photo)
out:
1 h 14 min 17 s
